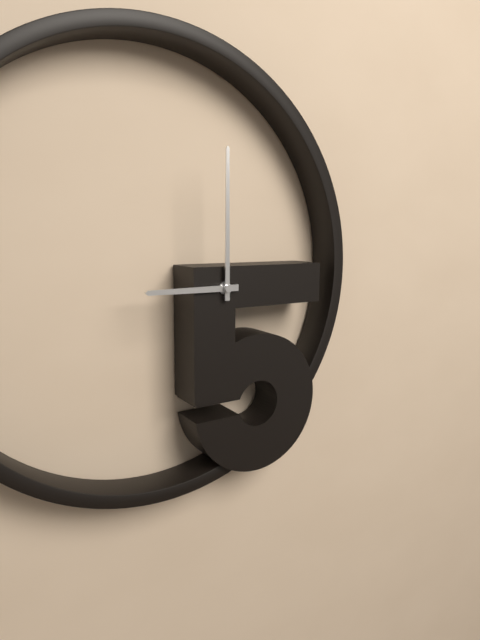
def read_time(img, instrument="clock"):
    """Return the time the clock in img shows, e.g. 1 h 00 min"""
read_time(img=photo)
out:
9 h 00 min
